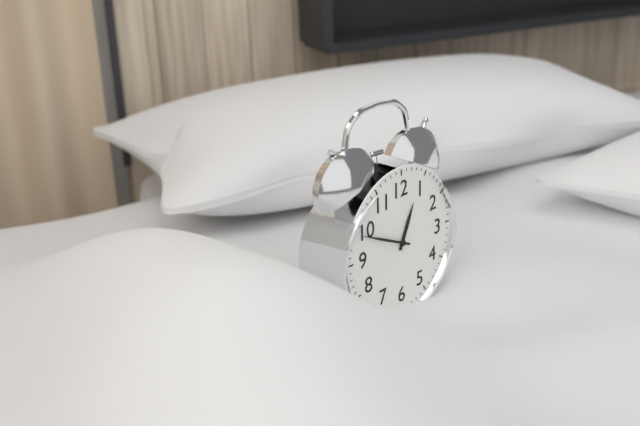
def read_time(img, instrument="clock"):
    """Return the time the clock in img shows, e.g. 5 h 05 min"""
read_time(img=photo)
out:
12 h 49 min
